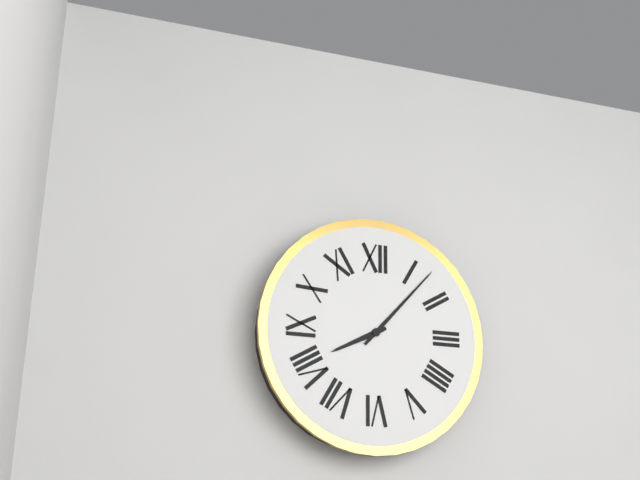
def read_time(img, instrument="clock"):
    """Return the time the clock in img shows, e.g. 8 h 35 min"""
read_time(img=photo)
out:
8 h 07 min
